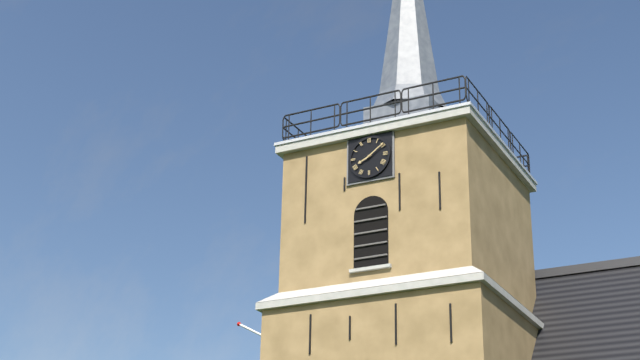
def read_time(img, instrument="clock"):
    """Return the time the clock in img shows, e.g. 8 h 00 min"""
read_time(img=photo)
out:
8 h 09 min
